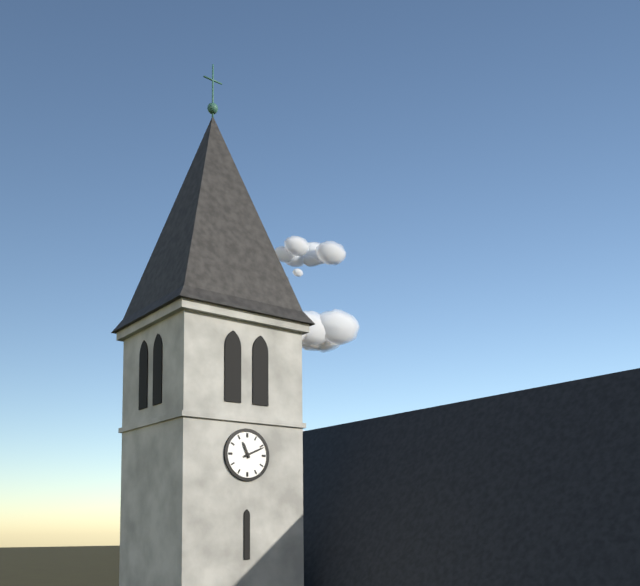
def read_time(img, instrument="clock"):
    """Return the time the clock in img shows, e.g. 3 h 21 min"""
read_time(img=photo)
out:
11 h 11 min
